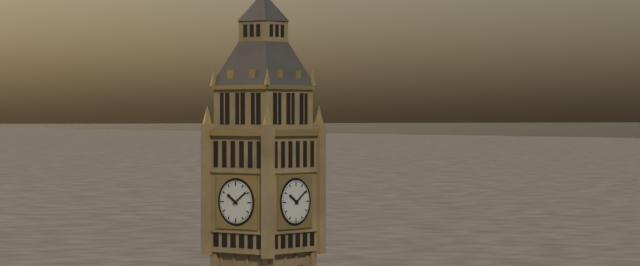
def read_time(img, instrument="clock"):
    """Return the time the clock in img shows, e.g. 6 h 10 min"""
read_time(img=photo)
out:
10 h 09 min
